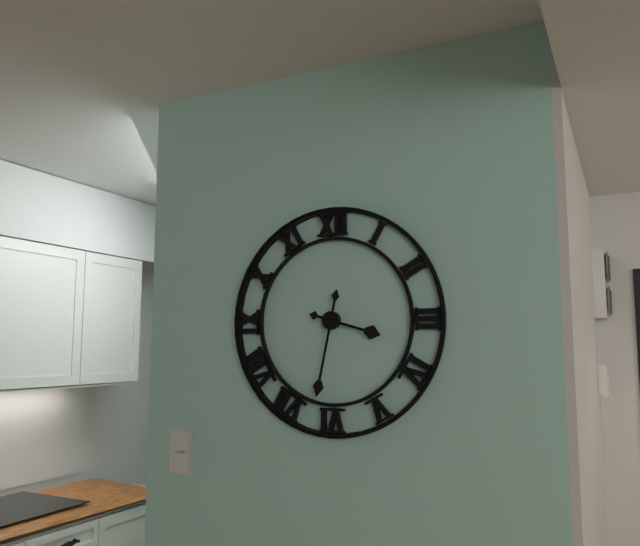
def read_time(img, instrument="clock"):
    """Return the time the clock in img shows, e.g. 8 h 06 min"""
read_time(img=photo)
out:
3 h 32 min
